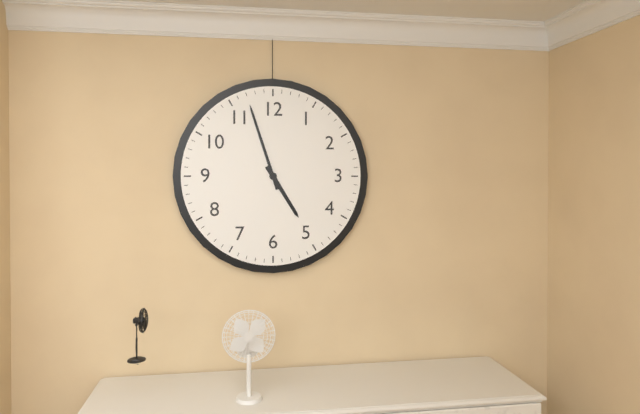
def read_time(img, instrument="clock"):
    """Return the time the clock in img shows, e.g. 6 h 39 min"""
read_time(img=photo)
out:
4 h 57 min
